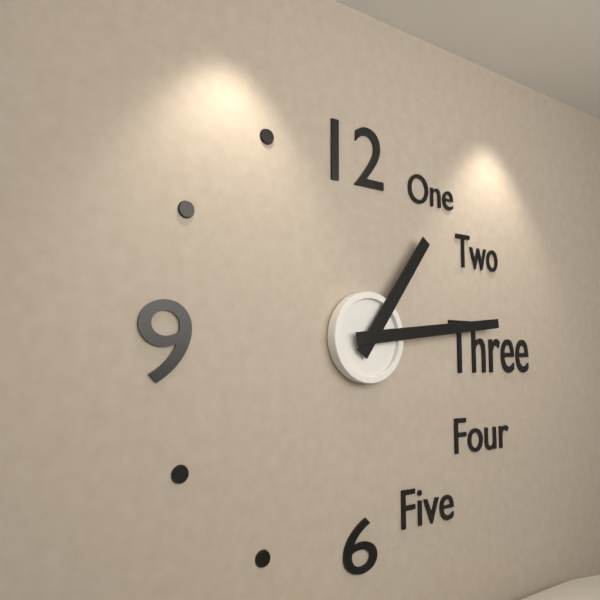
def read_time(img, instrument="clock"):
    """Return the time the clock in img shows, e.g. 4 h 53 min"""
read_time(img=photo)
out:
1 h 14 min
